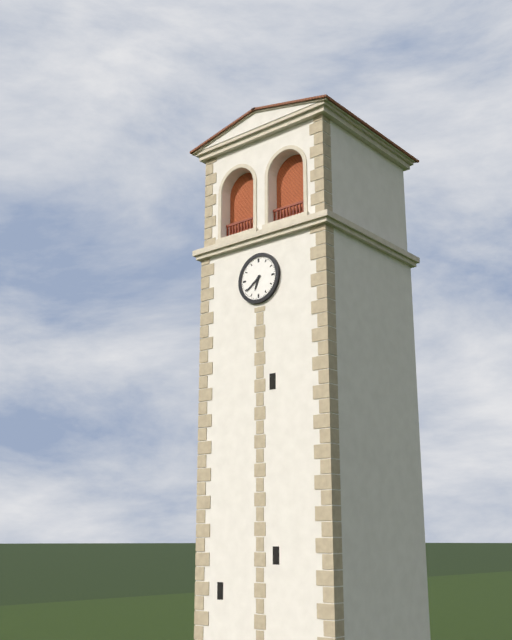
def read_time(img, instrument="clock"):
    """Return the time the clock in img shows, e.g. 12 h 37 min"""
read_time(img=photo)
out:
6 h 39 min
